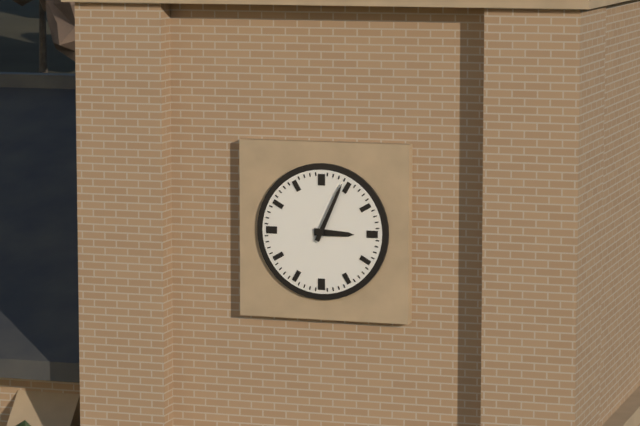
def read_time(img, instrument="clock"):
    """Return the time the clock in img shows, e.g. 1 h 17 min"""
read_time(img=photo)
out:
3 h 04 min
